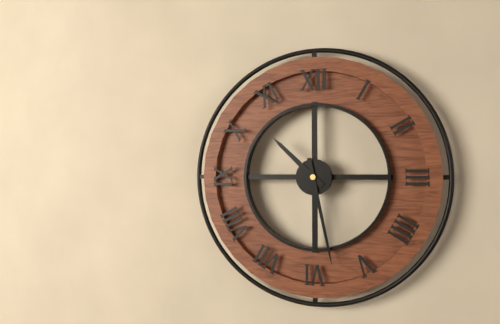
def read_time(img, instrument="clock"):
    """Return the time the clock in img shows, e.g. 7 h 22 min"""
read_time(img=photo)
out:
10 h 28 min
